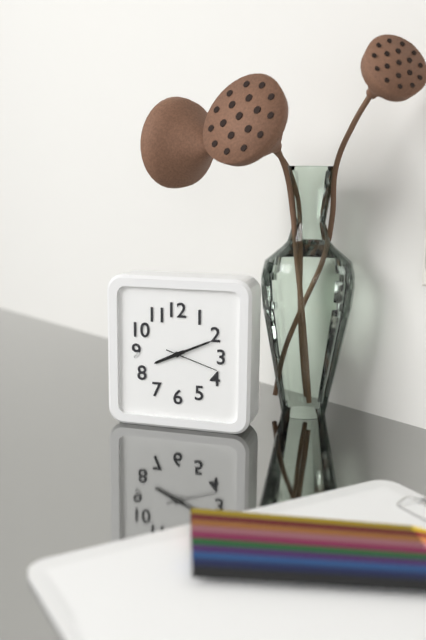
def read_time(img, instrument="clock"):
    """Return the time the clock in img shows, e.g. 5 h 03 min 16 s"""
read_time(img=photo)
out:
8 h 11 min 18 s
